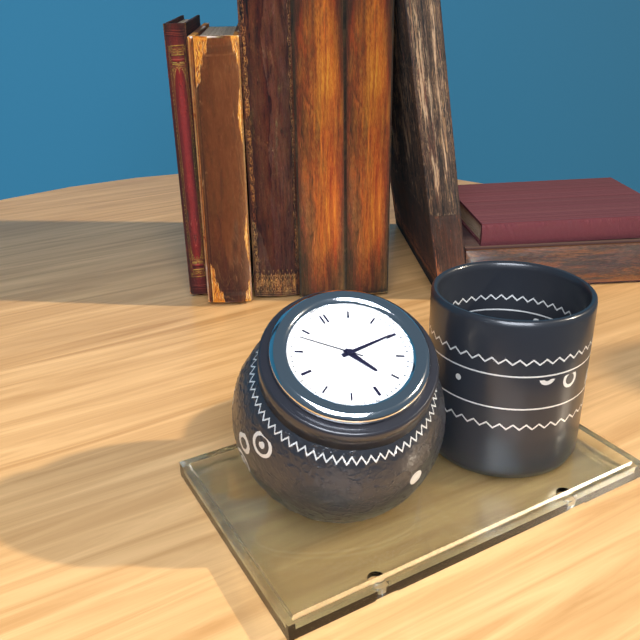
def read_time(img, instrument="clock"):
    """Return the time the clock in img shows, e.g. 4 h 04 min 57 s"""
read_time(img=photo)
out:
5 h 15 min 53 s
